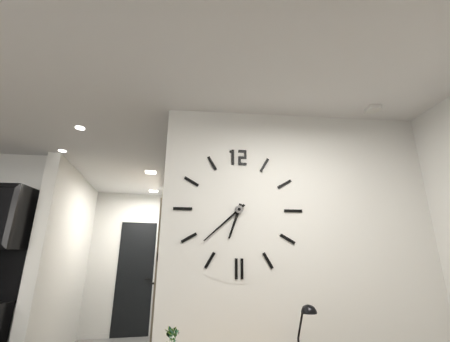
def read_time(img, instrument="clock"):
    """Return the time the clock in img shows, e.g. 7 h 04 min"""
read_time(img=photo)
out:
6 h 38 min
